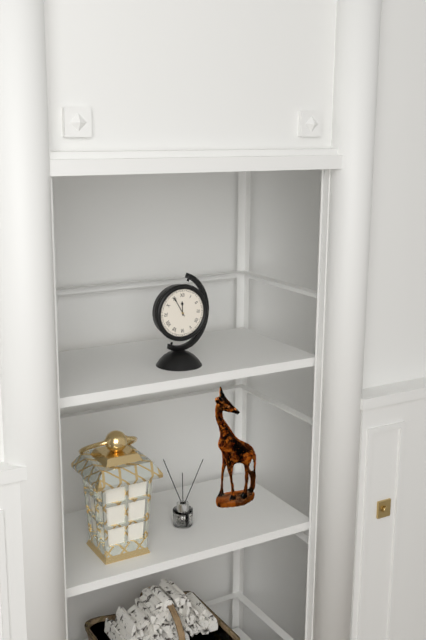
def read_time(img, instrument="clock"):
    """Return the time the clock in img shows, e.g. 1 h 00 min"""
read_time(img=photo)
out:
11 h 55 min
